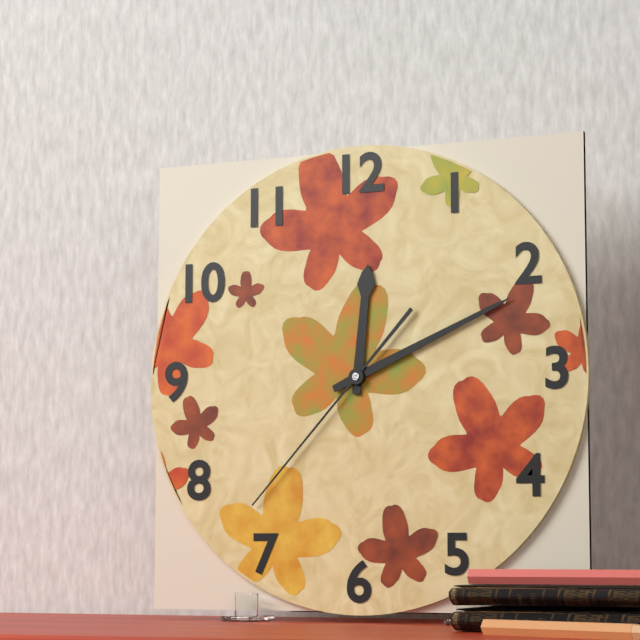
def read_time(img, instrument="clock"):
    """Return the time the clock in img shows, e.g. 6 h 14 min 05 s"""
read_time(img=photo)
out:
12 h 11 min 37 s
